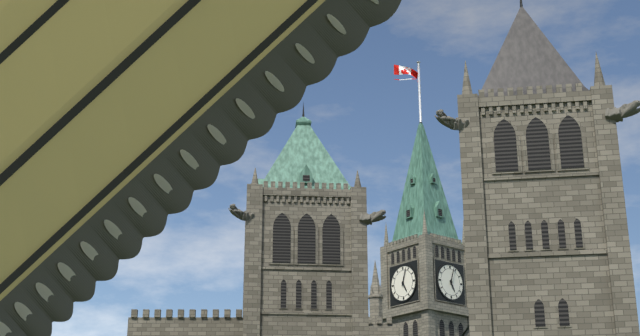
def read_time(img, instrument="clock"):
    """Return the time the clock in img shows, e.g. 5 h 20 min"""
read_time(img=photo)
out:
5 h 03 min
